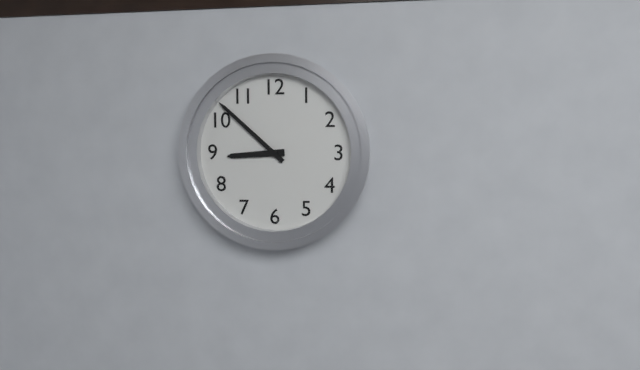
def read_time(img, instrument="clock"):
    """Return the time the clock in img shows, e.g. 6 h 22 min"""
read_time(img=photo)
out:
8 h 52 min
